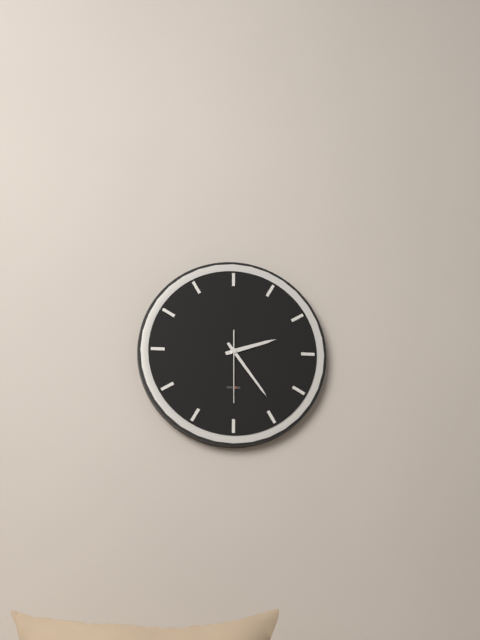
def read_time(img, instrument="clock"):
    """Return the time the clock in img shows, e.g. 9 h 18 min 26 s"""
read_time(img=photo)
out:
2 h 24 min 30 s
